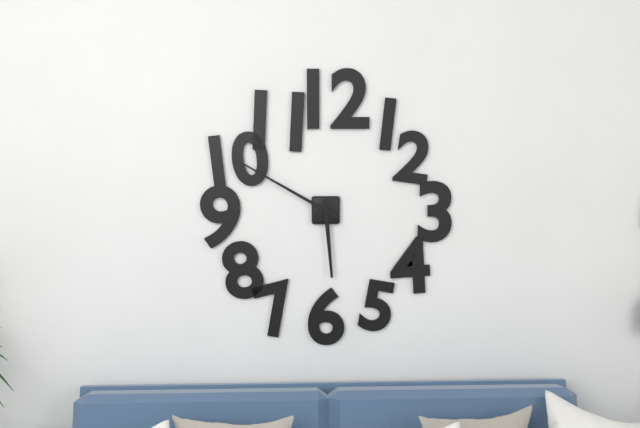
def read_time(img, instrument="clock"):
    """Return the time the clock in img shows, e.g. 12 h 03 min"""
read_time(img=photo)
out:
5 h 50 min
